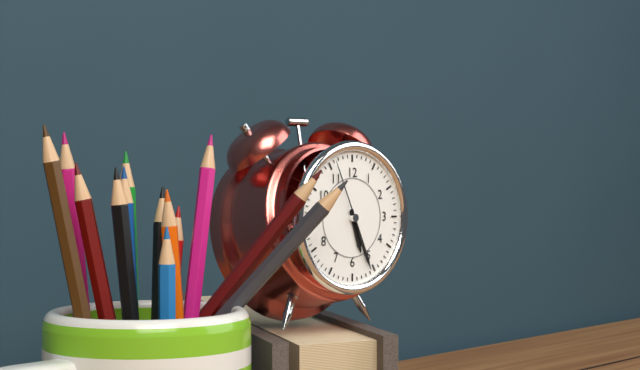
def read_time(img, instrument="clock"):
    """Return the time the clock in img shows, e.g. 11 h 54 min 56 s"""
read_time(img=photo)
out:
5 h 26 min 56 s
